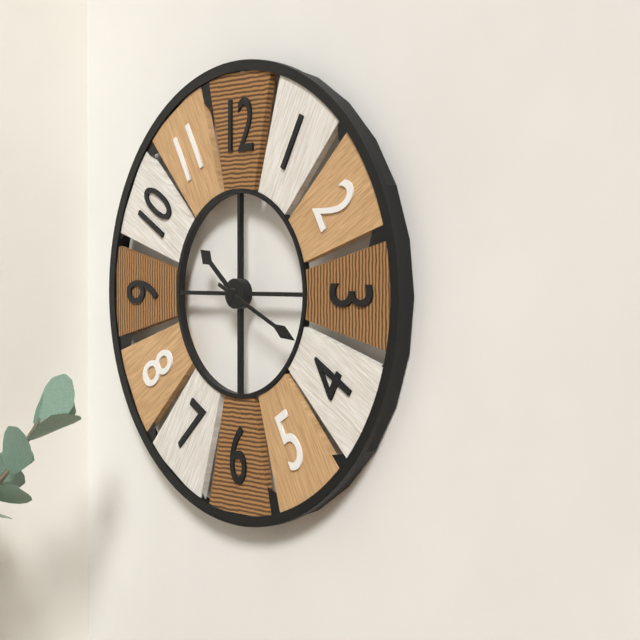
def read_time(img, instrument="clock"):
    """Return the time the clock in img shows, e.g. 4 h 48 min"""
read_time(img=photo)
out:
10 h 19 min
